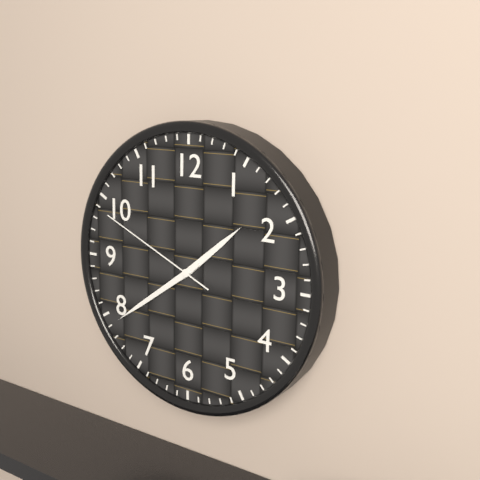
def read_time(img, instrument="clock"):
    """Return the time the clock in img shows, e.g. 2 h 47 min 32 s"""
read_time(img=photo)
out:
1 h 39 min 49 s
